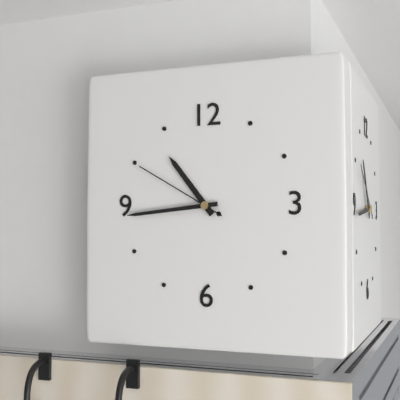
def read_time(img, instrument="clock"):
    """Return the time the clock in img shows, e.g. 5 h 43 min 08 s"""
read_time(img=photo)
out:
10 h 44 min 50 s
